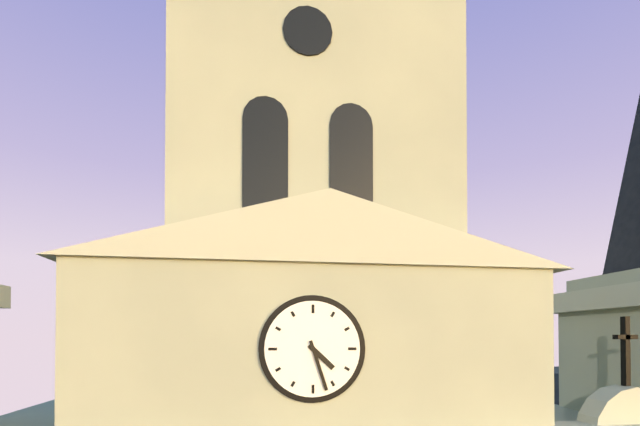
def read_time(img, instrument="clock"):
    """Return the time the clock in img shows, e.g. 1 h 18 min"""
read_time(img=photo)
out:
4 h 27 min
